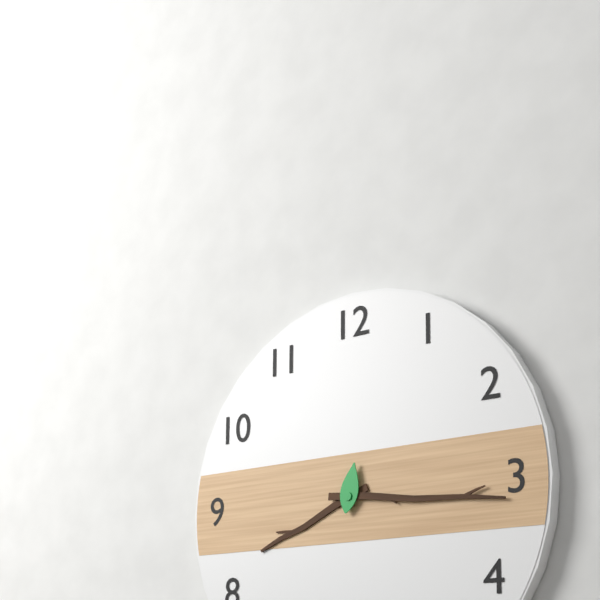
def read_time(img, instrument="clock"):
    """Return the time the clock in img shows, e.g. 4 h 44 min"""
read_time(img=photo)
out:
8 h 16 min
